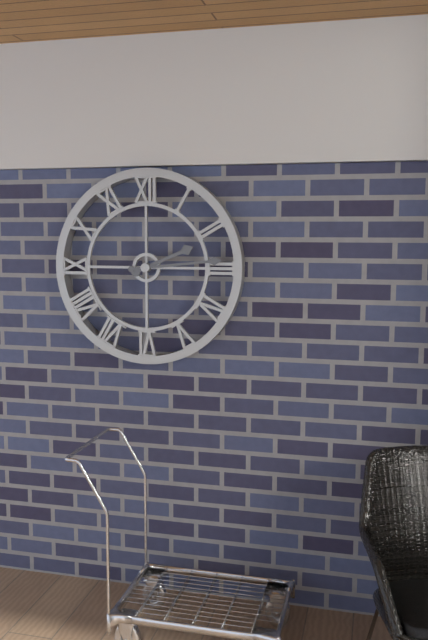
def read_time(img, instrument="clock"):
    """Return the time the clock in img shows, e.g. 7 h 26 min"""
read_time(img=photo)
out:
2 h 14 min
